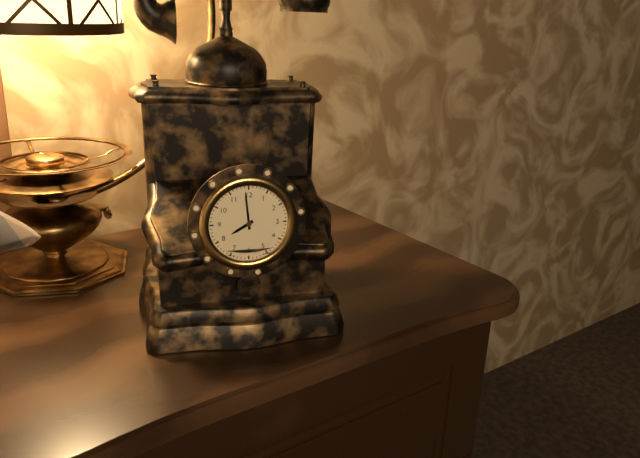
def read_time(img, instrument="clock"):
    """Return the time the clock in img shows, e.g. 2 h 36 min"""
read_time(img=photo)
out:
7 h 59 min
